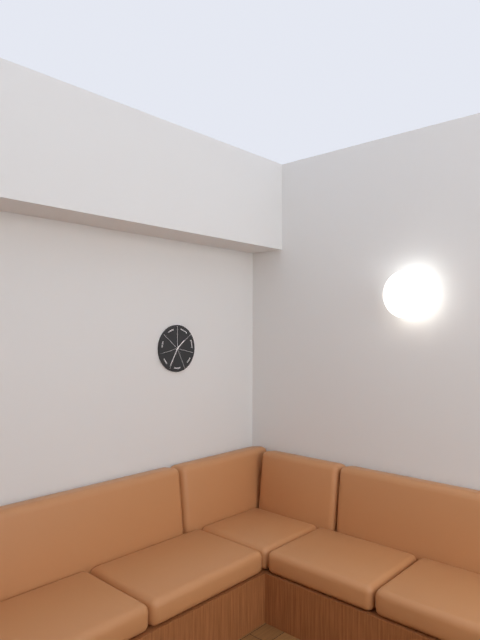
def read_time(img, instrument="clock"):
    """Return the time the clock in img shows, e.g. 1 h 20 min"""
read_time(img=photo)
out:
1 h 35 min
